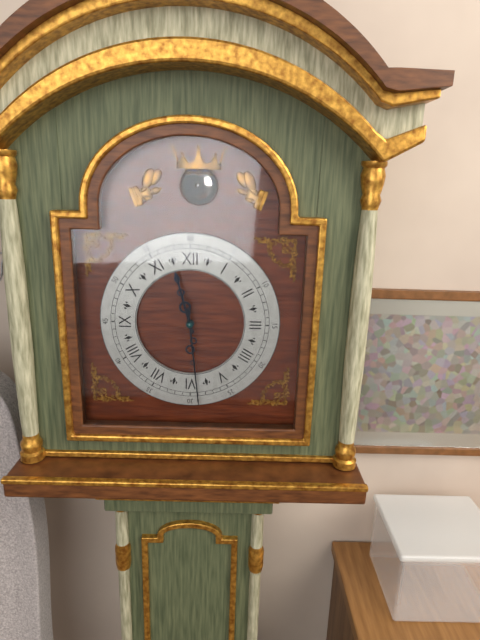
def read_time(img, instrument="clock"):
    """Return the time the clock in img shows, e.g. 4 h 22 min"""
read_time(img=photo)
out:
11 h 29 min
